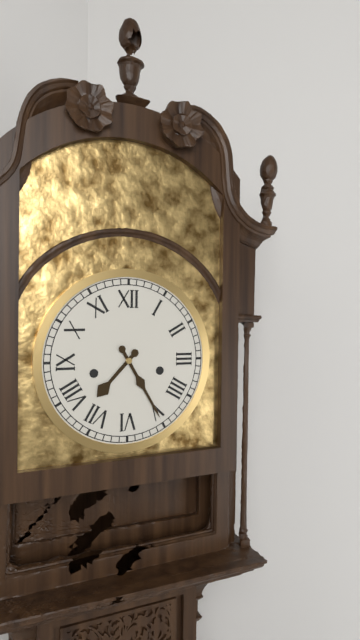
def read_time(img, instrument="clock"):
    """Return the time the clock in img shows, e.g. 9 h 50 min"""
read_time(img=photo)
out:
7 h 25 min
